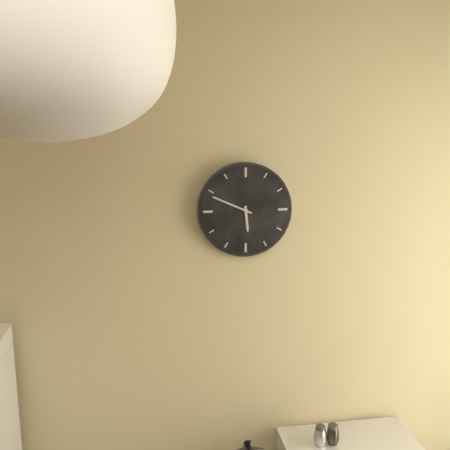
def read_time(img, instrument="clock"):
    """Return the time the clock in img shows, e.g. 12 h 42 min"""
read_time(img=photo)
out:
5 h 49 min
